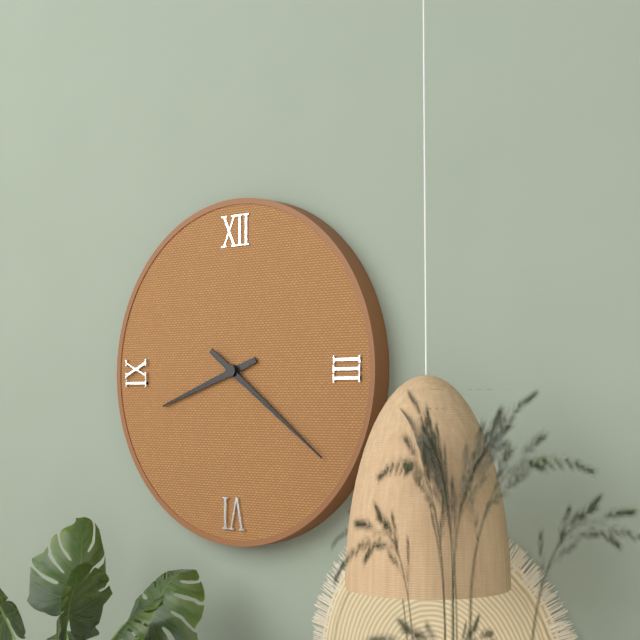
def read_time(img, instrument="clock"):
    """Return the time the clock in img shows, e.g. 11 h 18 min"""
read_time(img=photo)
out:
8 h 21 min
